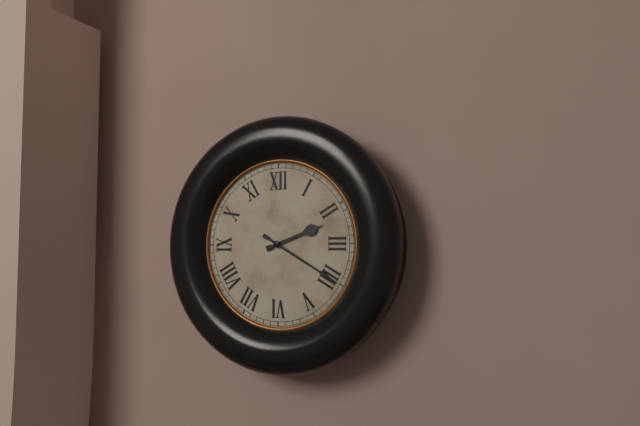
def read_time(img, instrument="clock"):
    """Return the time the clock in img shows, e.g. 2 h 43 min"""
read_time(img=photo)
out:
2 h 20 min
